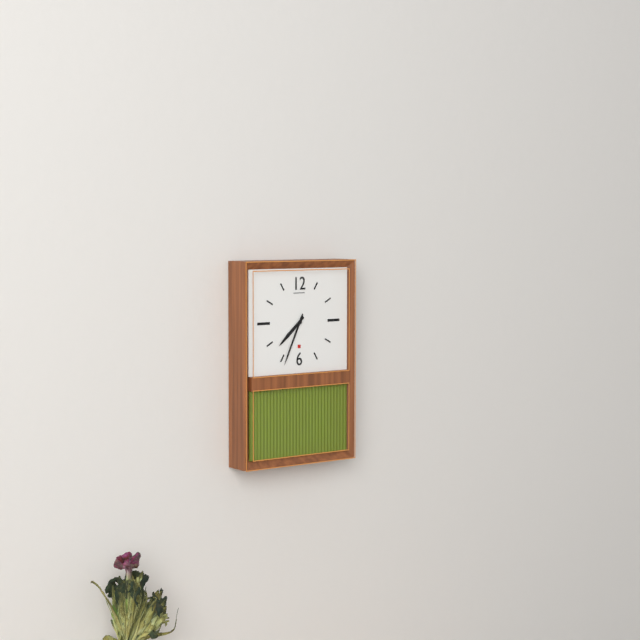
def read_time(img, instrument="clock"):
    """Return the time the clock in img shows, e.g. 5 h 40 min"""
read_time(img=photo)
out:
7 h 34 min
